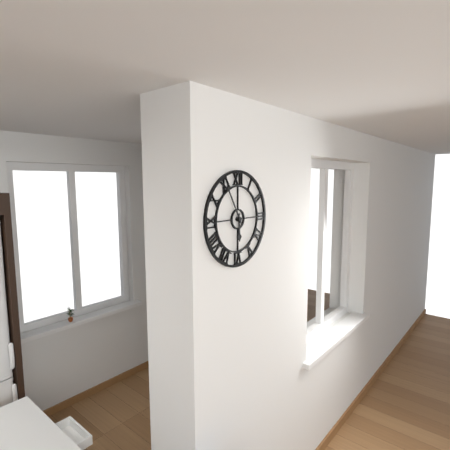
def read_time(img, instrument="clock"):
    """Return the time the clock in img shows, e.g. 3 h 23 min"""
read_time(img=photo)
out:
5 h 55 min
